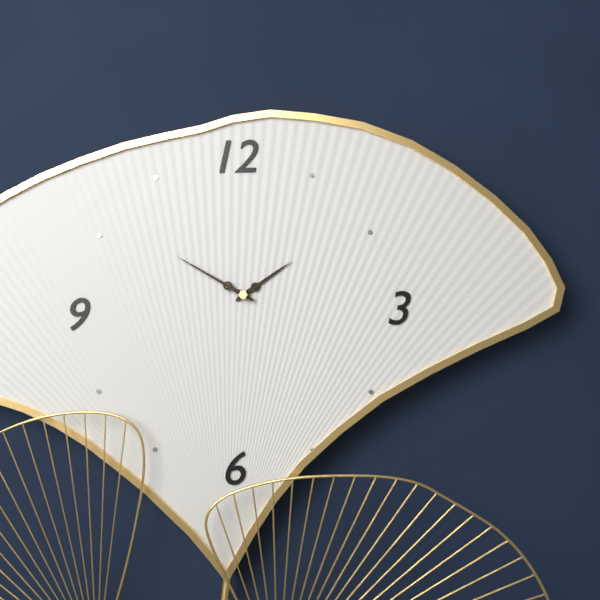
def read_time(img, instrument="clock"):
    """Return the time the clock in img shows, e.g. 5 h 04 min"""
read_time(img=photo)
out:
1 h 50 min
